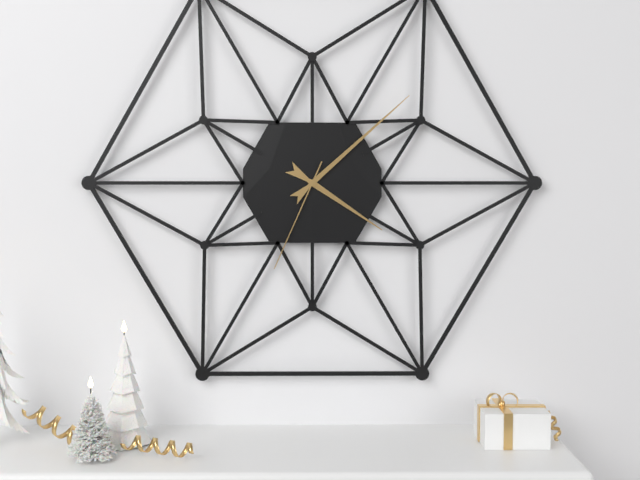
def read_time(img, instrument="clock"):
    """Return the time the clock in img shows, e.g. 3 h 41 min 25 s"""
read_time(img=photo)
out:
4 h 08 min 34 s
